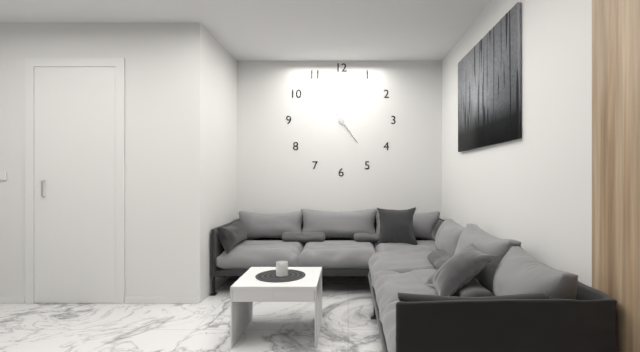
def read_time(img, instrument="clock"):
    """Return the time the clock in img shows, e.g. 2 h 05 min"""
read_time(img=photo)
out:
11 h 24 min
